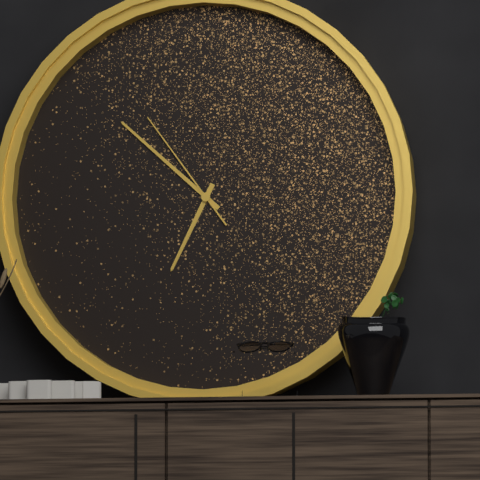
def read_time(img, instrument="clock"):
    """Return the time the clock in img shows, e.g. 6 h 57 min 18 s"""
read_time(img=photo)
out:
6 h 52 min 54 s
